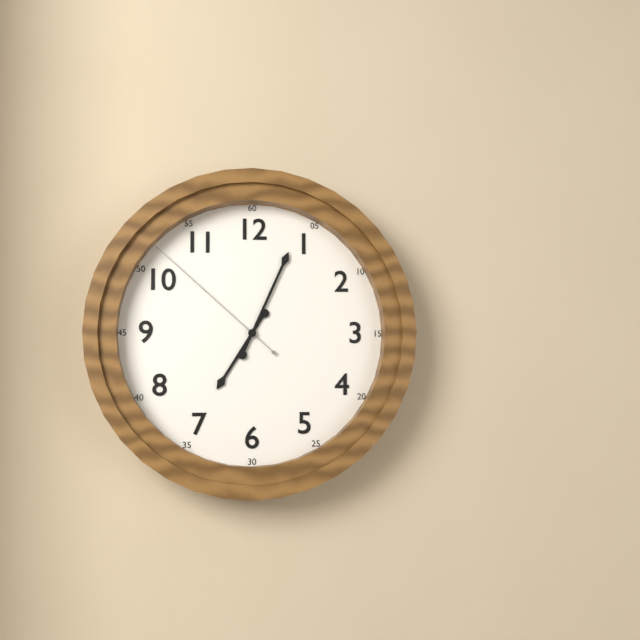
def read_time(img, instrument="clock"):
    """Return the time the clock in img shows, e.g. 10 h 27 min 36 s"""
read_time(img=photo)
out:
7 h 04 min 52 s
